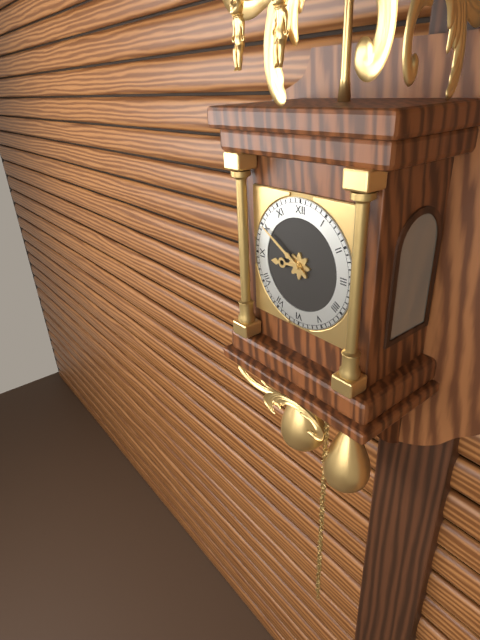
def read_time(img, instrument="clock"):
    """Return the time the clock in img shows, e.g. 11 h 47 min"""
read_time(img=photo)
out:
8 h 50 min
